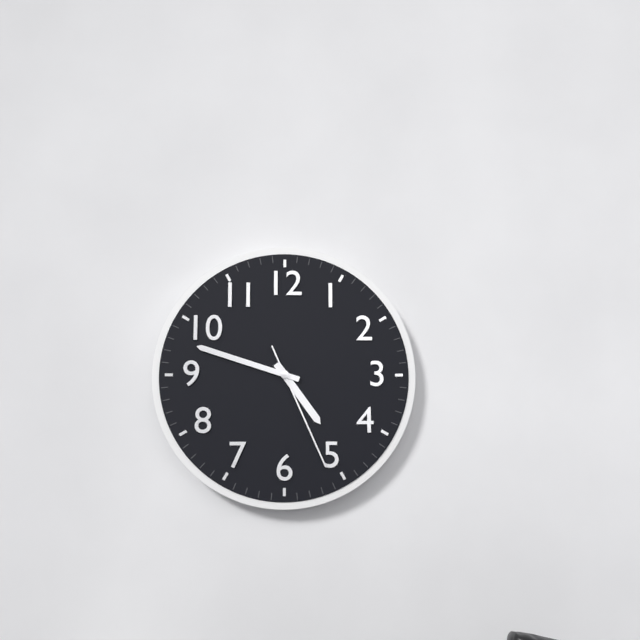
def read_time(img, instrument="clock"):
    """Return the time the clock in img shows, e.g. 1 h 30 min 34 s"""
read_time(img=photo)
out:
4 h 48 min 26 s
